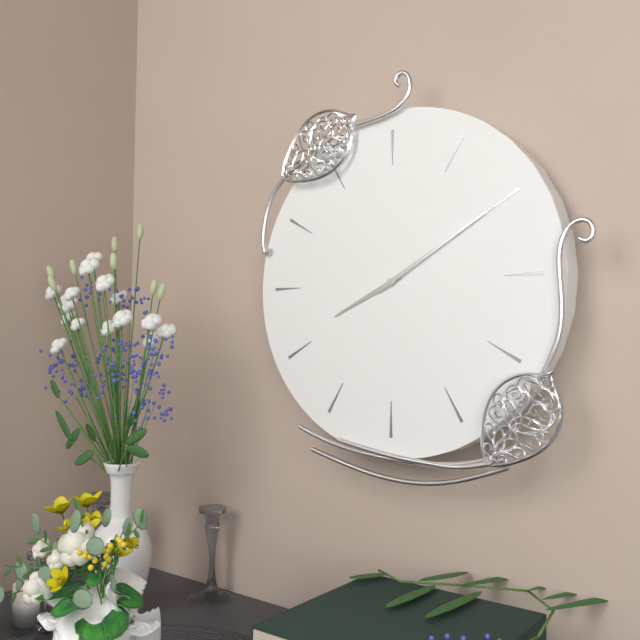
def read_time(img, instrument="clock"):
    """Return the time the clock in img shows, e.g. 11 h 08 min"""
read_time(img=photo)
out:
8 h 10 min
